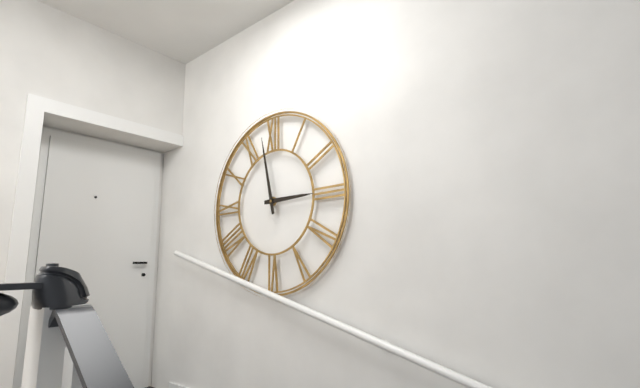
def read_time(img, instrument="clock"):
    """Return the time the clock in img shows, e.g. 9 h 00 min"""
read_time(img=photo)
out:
2 h 58 min
